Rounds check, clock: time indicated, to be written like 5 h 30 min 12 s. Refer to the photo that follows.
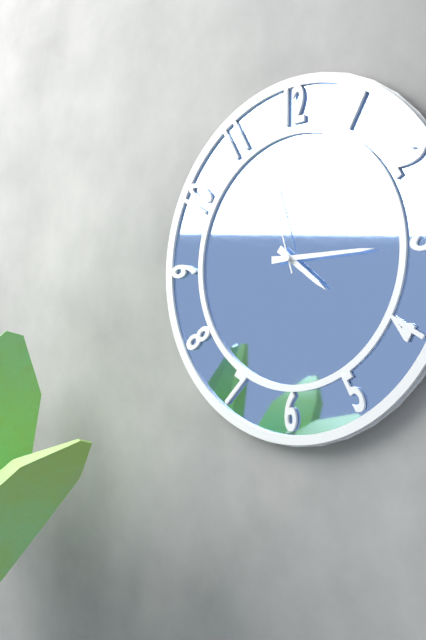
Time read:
4 h 15 min 57 s
